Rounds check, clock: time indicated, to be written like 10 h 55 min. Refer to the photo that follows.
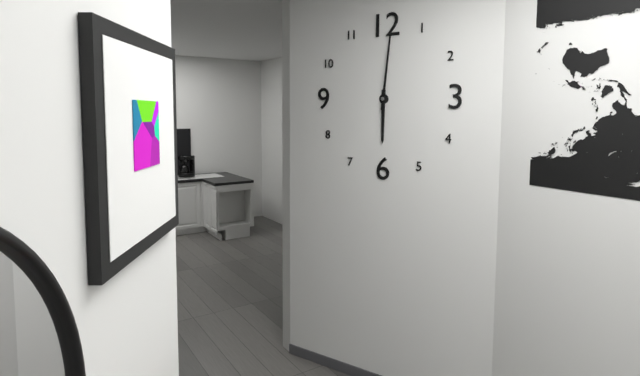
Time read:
6 h 01 min
